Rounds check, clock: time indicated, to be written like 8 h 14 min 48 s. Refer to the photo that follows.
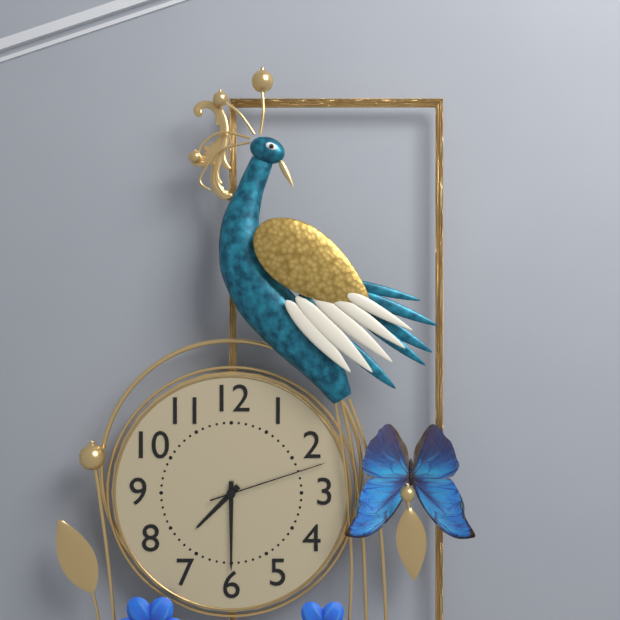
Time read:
7 h 30 min 12 s
